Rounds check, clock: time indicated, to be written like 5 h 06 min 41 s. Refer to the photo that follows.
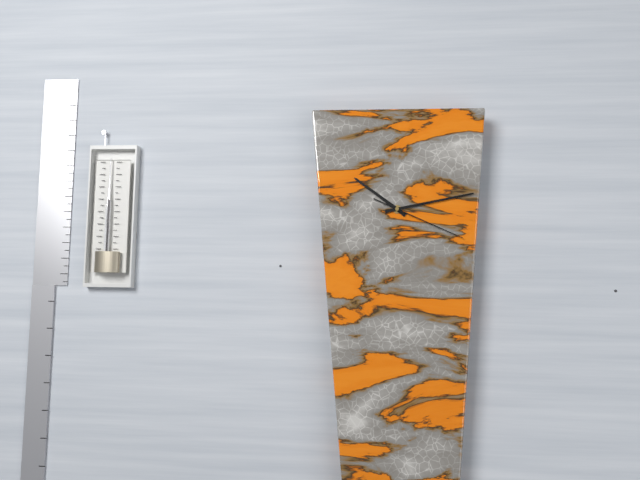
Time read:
10 h 13 min 19 s
